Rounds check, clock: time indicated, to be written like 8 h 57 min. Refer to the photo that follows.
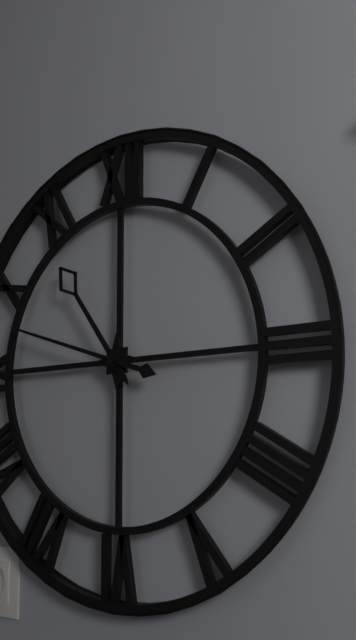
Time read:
10 h 48 min
